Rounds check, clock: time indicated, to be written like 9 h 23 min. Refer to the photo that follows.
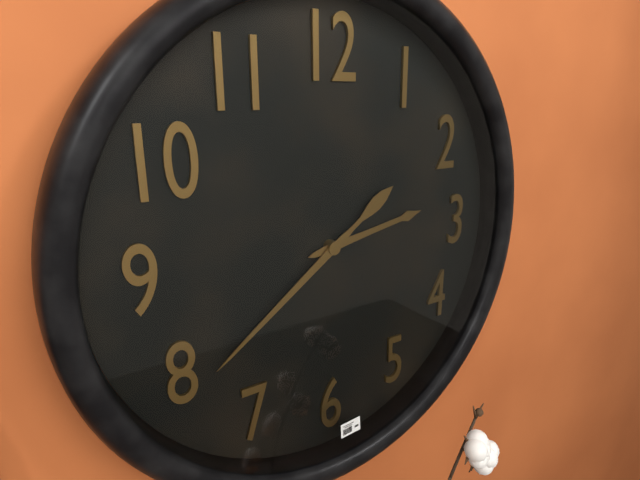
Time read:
2 h 39 min
